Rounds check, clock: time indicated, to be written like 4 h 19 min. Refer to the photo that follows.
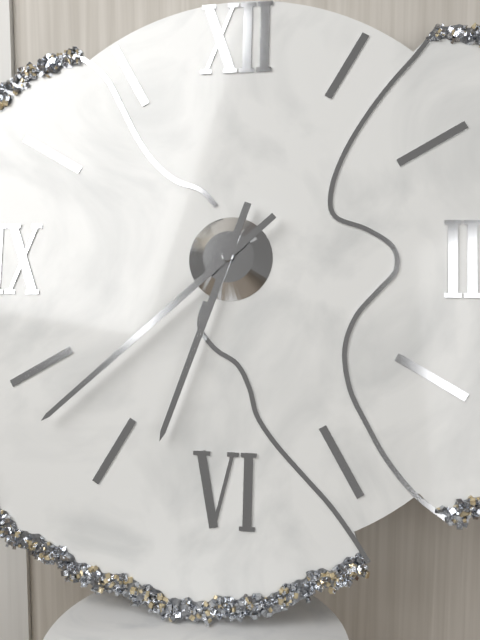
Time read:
6 h 38 min
